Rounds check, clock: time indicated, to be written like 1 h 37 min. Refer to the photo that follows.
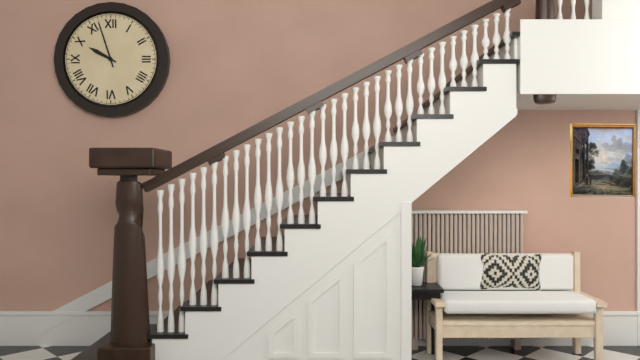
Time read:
9 h 57 min
